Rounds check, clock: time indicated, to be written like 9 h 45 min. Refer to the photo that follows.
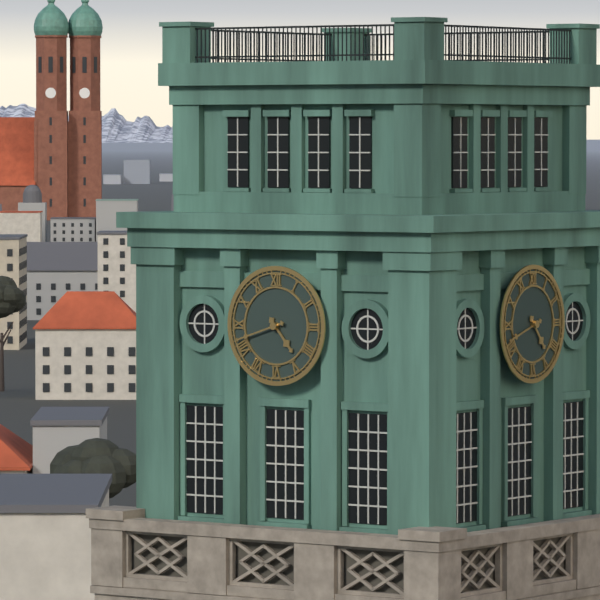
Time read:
4 h 42 min
